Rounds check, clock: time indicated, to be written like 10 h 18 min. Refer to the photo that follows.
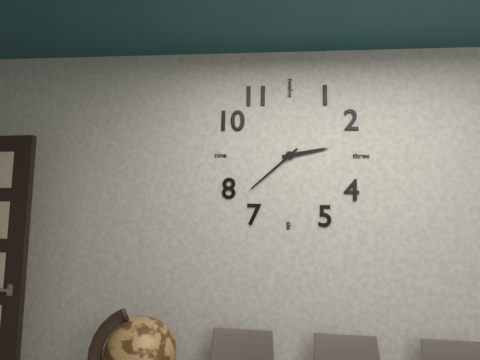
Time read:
2 h 38 min
